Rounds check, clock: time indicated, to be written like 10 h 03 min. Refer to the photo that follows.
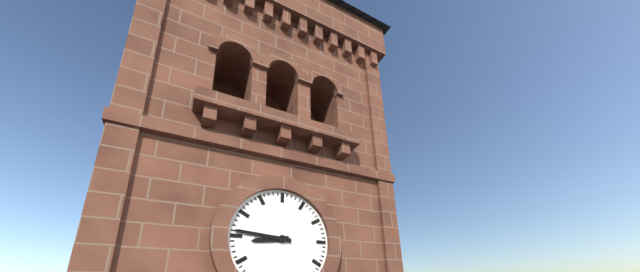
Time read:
8 h 46 min
